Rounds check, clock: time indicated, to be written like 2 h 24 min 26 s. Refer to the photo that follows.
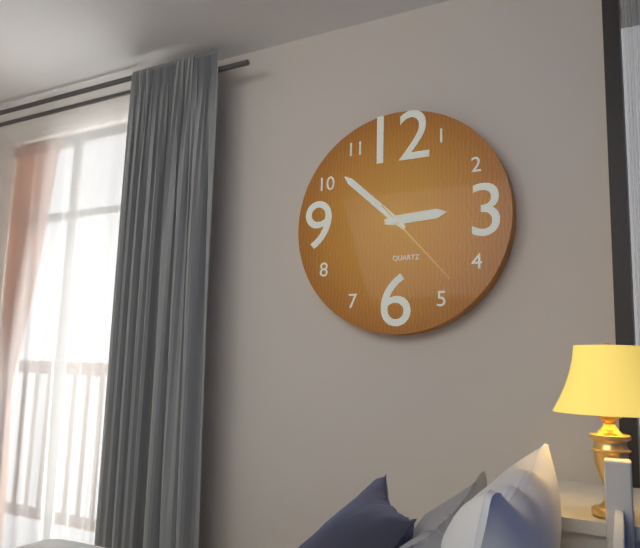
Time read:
2 h 52 min 23 s
